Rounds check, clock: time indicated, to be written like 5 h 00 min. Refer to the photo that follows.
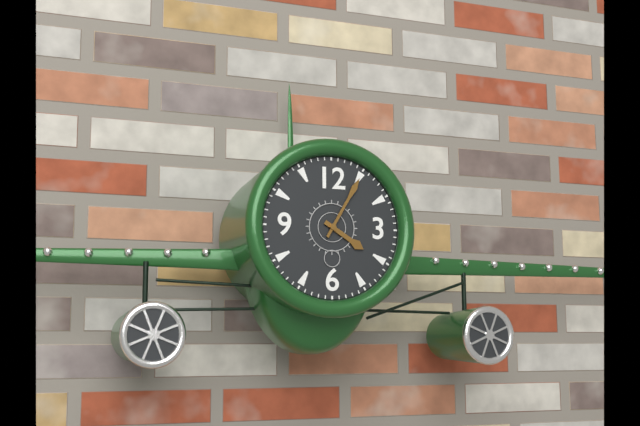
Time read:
4 h 05 min
